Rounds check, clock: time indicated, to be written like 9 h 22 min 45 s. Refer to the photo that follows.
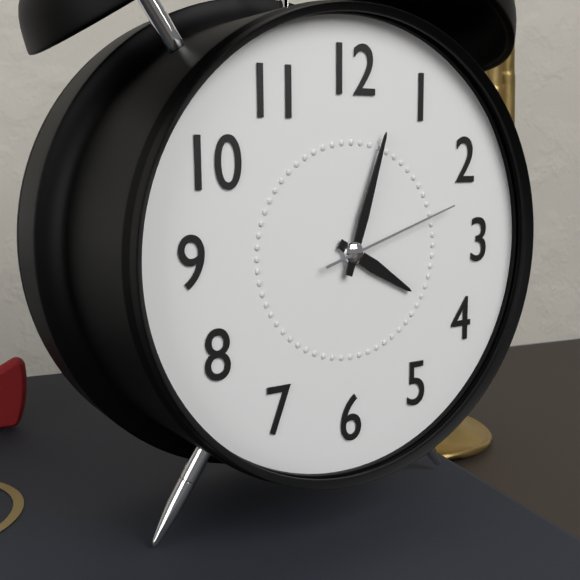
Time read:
4 h 03 min 12 s
